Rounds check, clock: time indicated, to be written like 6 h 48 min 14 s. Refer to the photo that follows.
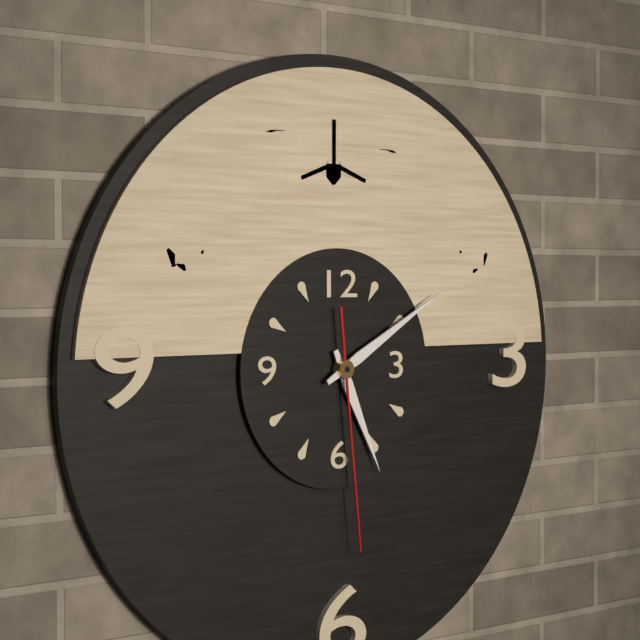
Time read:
5 h 10 min 29 s
